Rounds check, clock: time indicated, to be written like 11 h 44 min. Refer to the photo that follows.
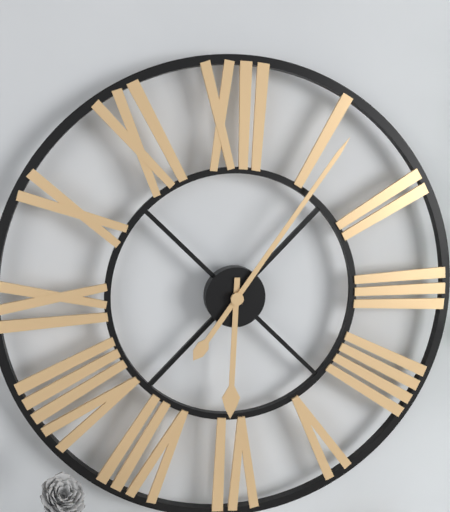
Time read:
6 h 06 min
